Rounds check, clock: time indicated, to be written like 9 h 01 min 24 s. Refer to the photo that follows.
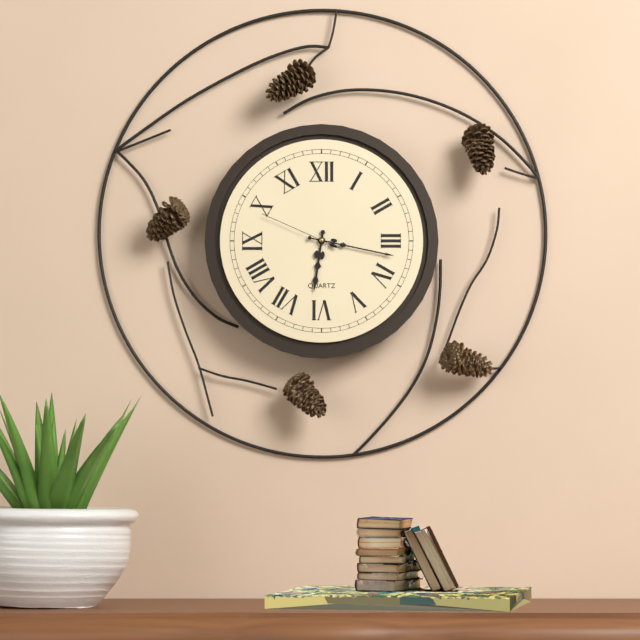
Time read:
6 h 17 min 49 s
